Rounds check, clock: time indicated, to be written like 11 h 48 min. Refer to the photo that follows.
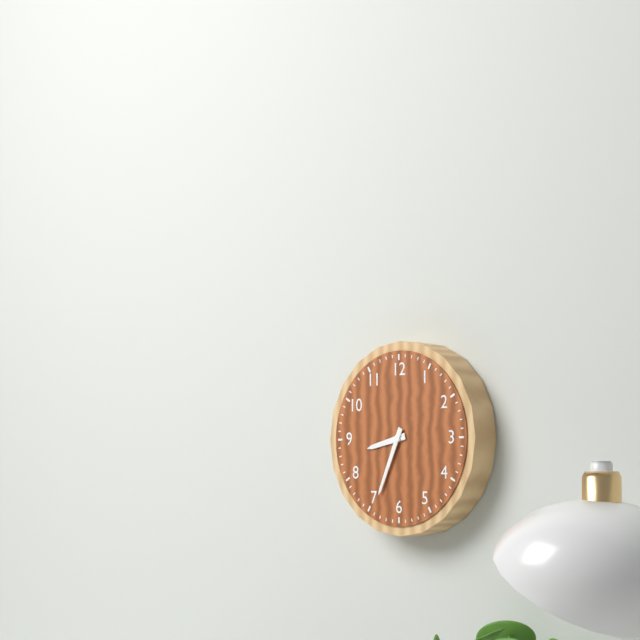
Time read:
8 h 34 min
